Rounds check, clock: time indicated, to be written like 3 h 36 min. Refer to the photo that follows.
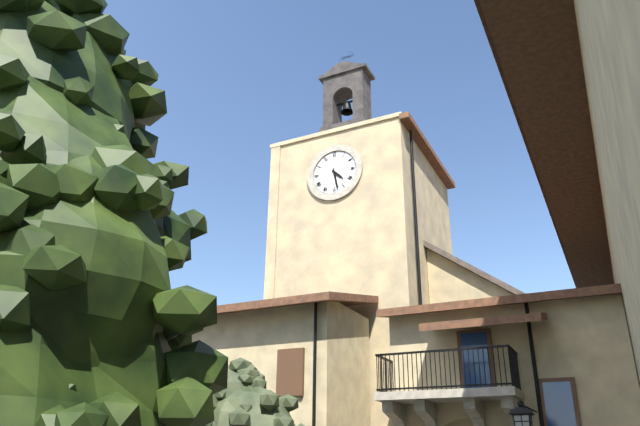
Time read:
4 h 28 min
